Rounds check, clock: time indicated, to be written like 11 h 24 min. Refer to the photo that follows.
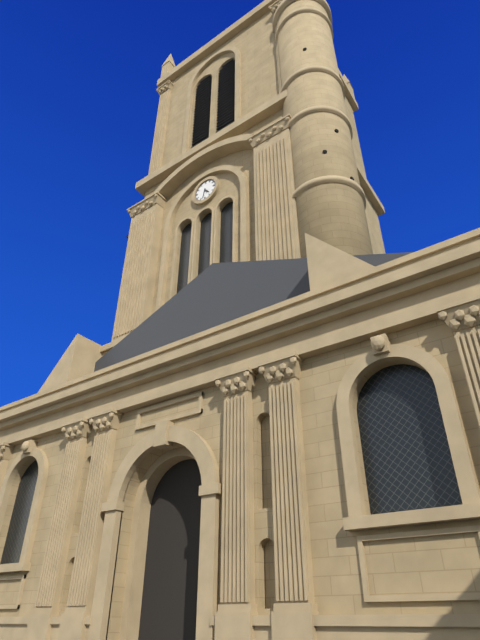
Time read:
4 h 32 min
